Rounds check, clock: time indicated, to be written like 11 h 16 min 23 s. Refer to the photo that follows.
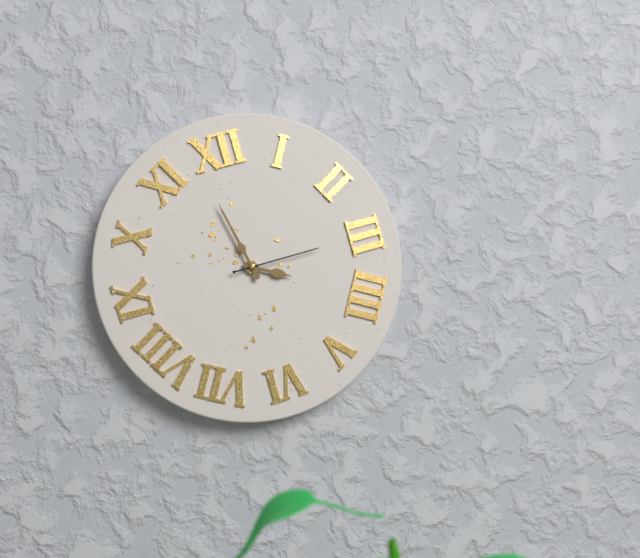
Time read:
3 h 58 min 15 s
